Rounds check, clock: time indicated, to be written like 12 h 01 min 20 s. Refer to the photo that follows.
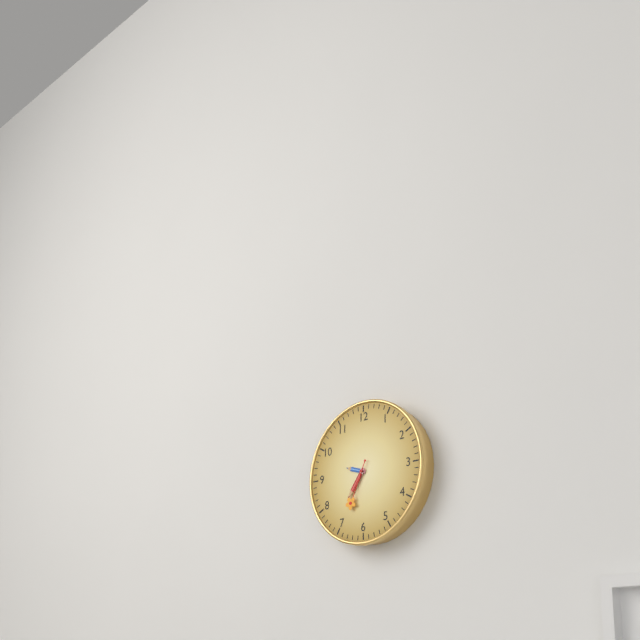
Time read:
9 h 36 min 34 s
